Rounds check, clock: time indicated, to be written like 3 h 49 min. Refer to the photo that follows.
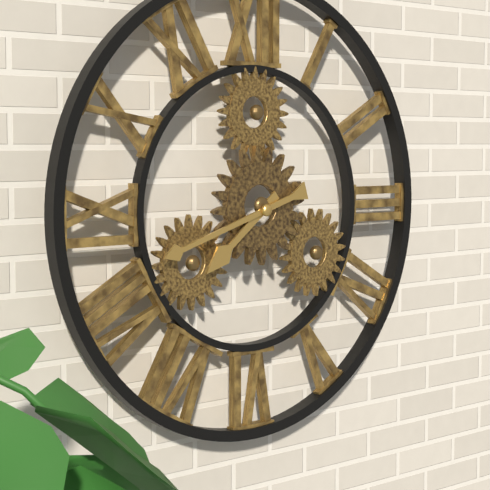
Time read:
7 h 42 min
